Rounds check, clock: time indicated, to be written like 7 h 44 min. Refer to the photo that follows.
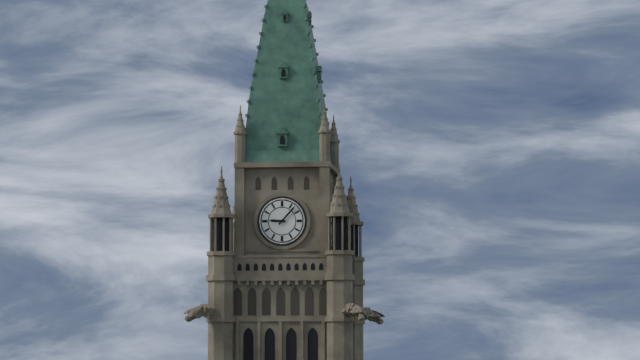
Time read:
9 h 07 min
